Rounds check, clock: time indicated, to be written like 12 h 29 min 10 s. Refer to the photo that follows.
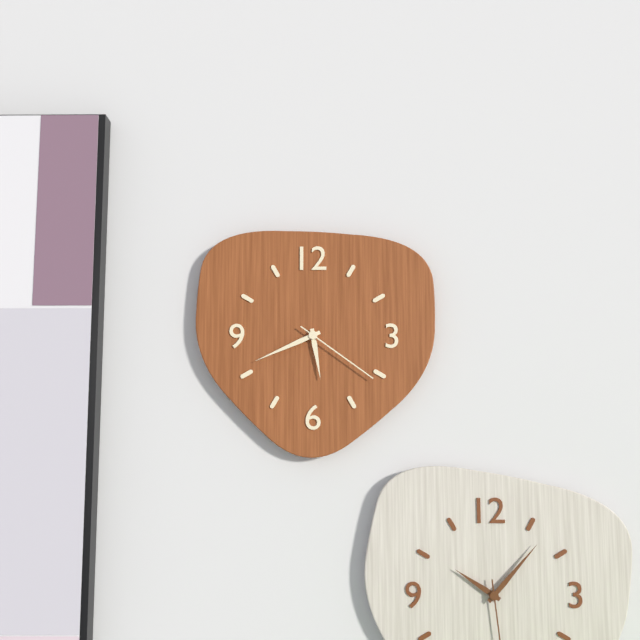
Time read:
5 h 41 min 21 s
